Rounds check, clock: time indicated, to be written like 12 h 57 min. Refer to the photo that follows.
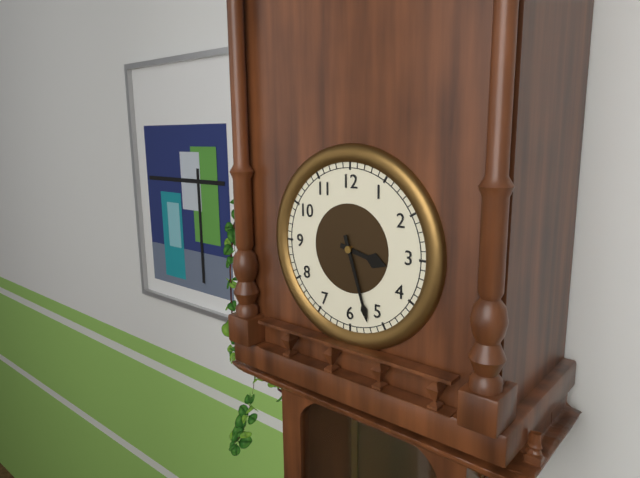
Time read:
3 h 27 min
